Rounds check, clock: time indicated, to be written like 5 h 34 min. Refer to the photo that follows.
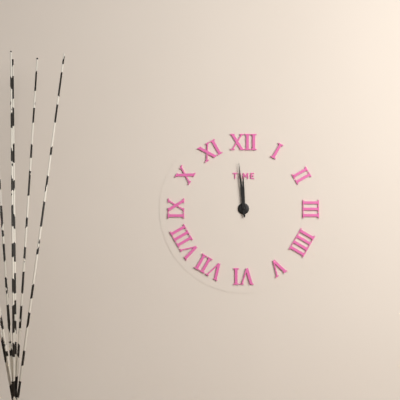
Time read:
11 h 59 min
